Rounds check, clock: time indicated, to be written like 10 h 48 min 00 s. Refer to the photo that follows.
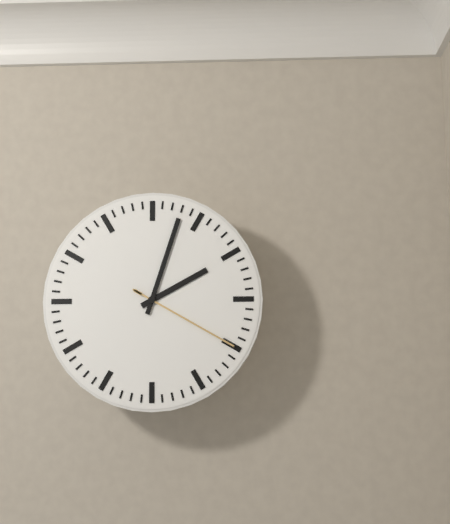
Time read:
2 h 03 min 20 s
